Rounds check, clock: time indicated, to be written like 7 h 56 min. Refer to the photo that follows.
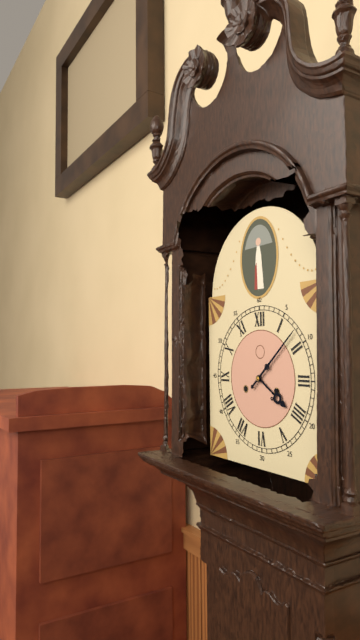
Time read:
4 h 08 min
